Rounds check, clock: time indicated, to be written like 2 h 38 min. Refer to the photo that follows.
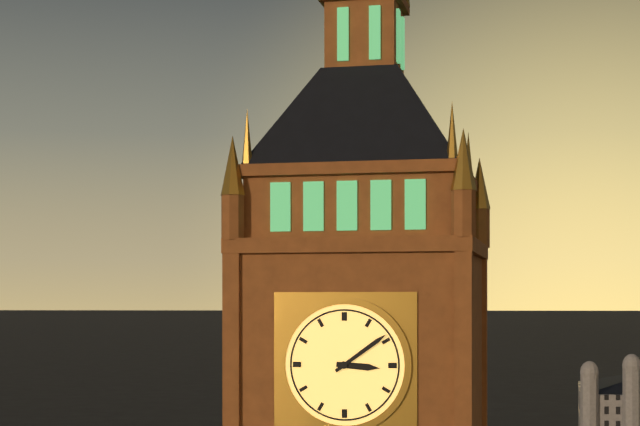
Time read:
3 h 09 min
